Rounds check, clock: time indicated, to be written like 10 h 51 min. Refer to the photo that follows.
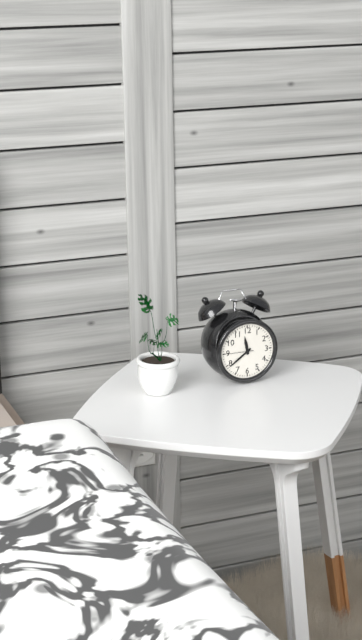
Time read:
11 h 39 min
